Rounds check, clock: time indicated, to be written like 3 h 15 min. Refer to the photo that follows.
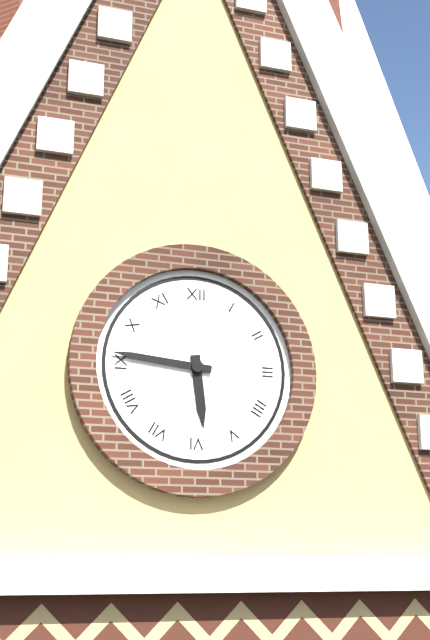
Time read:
5 h 46 min
